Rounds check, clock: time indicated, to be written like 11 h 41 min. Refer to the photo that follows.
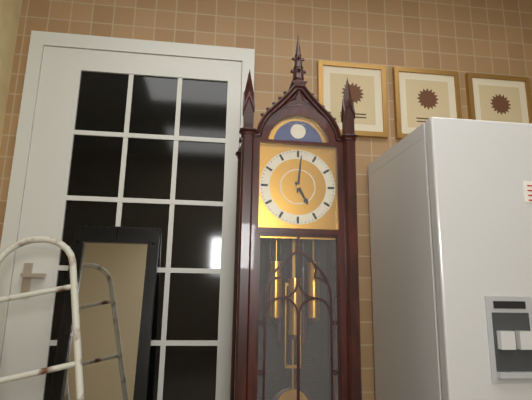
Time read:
5 h 01 min
